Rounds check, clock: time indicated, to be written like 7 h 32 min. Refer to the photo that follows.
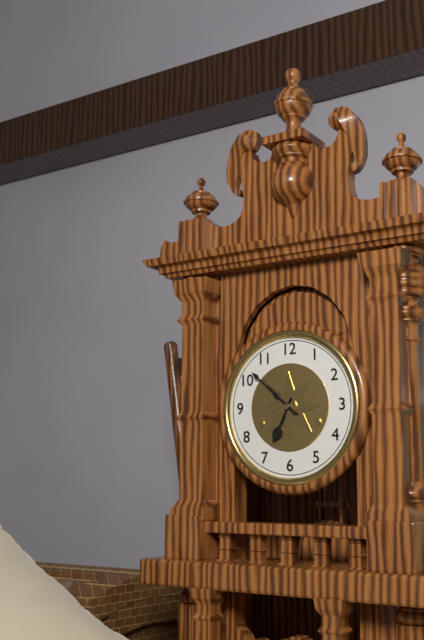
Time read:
6 h 52 min
